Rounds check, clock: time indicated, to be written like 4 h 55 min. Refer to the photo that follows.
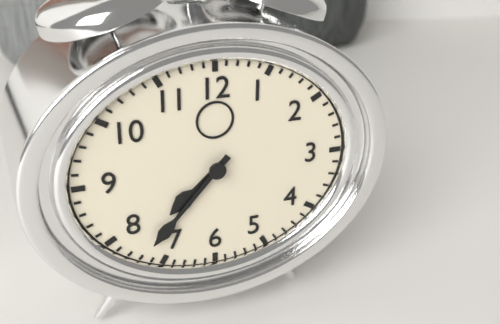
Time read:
7 h 37 min
